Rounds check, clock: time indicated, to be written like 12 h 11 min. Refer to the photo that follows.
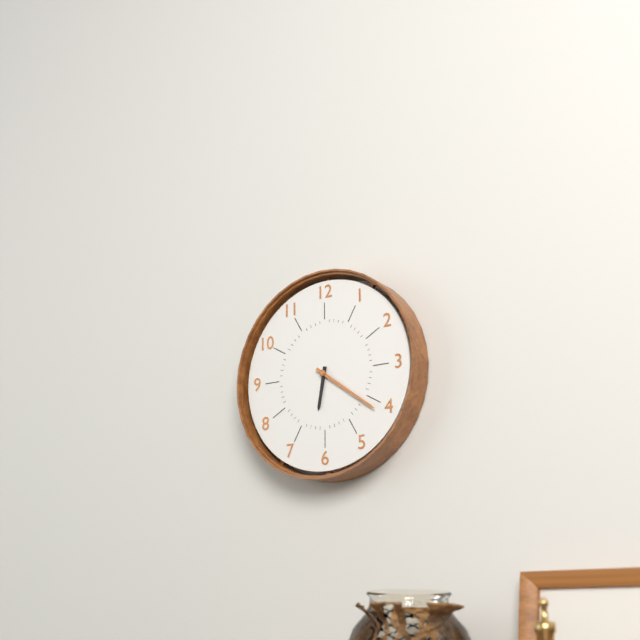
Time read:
6 h 21 min
